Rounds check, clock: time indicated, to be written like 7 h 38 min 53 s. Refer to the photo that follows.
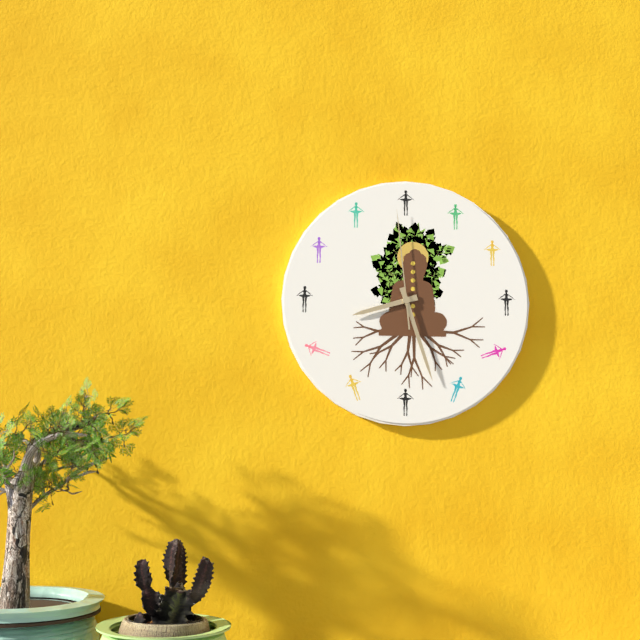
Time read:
8 h 27 min 59 s
